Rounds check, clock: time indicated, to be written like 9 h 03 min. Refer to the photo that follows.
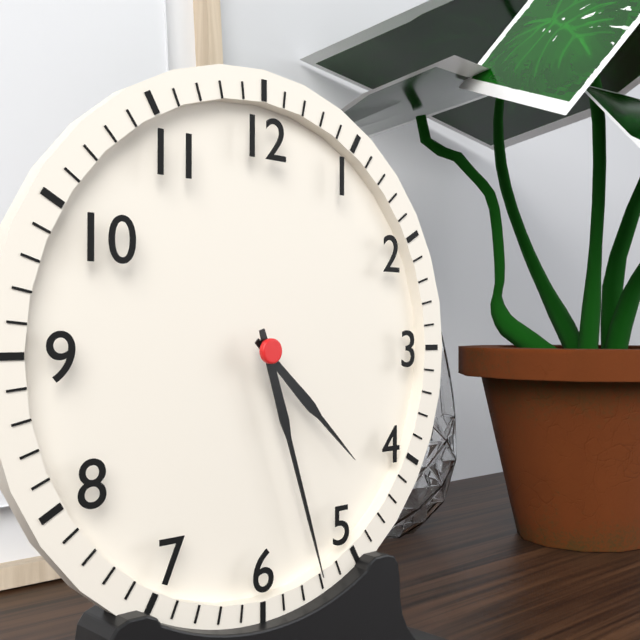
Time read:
4 h 27 min
